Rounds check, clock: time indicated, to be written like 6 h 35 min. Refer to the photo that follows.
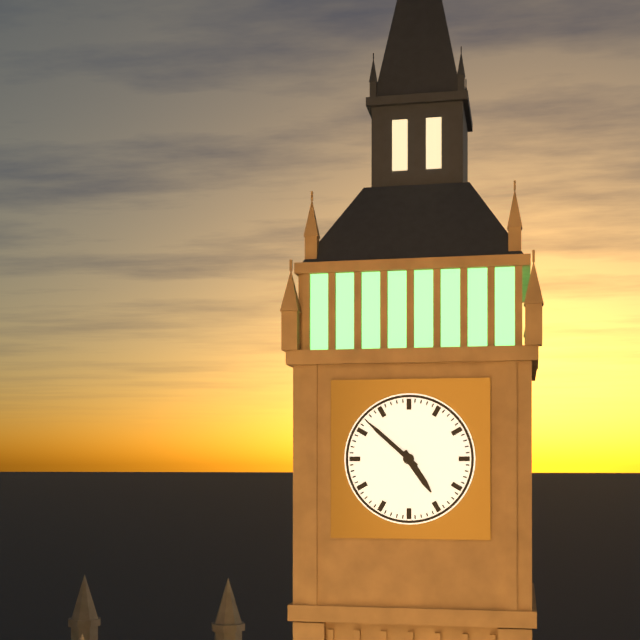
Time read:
4 h 52 min
